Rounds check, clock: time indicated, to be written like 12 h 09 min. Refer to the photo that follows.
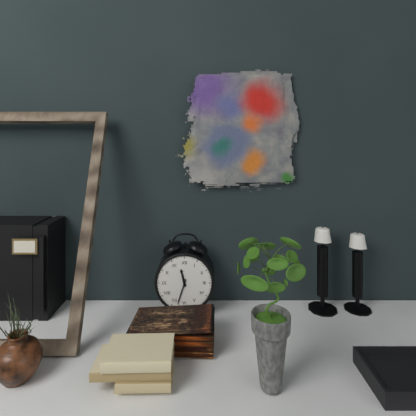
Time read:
11 h 33 min
